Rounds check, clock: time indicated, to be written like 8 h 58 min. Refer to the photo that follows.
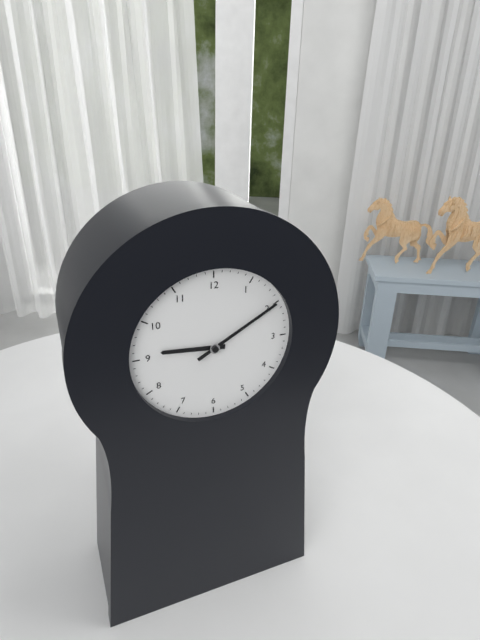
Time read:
9 h 10 min
